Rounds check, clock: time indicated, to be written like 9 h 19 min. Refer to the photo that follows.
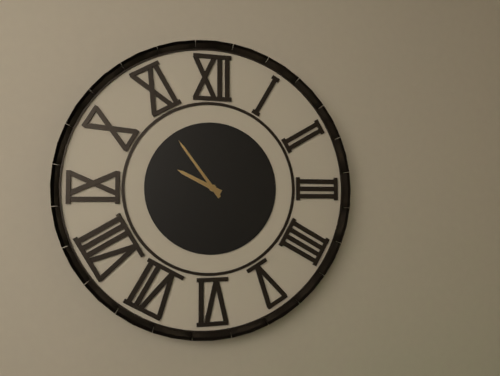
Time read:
9 h 54 min
